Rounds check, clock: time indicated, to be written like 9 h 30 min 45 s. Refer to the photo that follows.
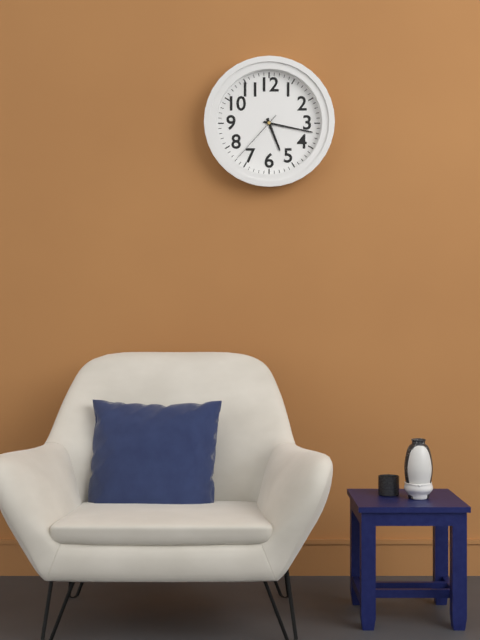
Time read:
5 h 17 min 37 s
